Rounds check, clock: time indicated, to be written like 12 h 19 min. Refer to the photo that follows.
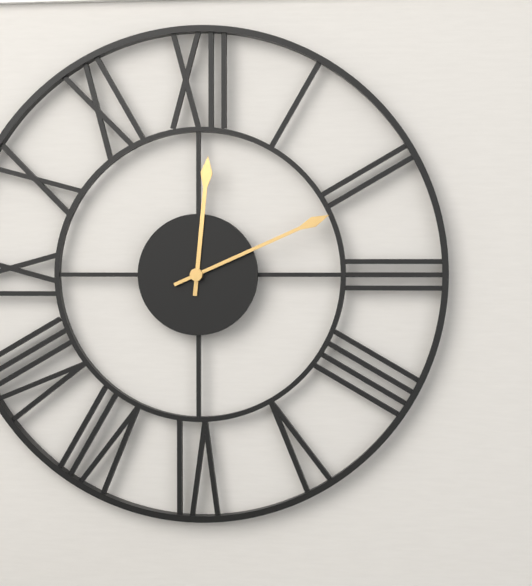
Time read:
12 h 11 min
